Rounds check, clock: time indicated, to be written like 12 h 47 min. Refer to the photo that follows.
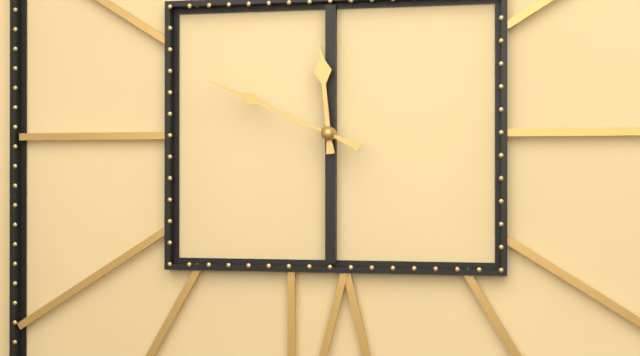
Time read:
11 h 49 min
